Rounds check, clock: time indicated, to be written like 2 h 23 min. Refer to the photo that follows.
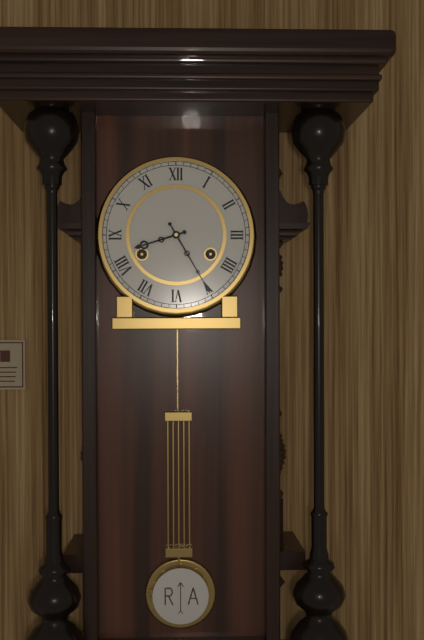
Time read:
8 h 25 min
